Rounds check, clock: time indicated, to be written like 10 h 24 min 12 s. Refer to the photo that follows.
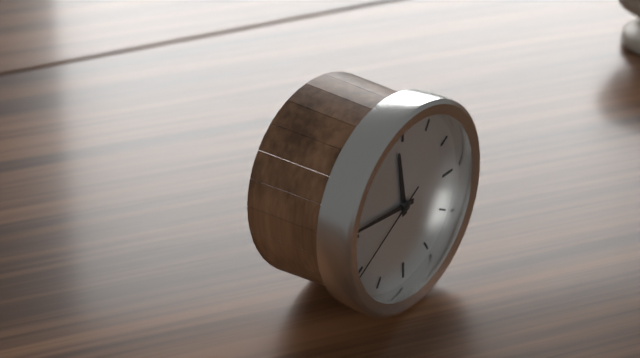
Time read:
11 h 46 min 40 s
